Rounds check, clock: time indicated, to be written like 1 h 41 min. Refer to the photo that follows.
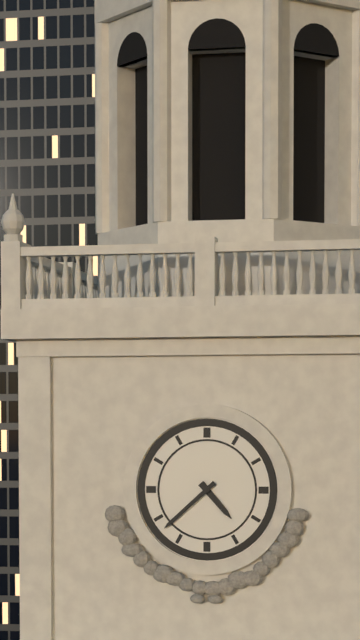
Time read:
4 h 38 min
